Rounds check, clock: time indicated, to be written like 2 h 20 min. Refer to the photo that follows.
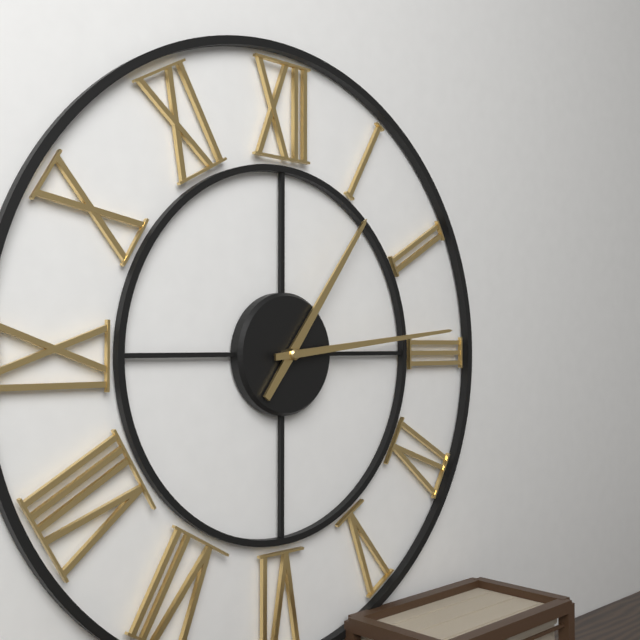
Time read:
1 h 14 min
